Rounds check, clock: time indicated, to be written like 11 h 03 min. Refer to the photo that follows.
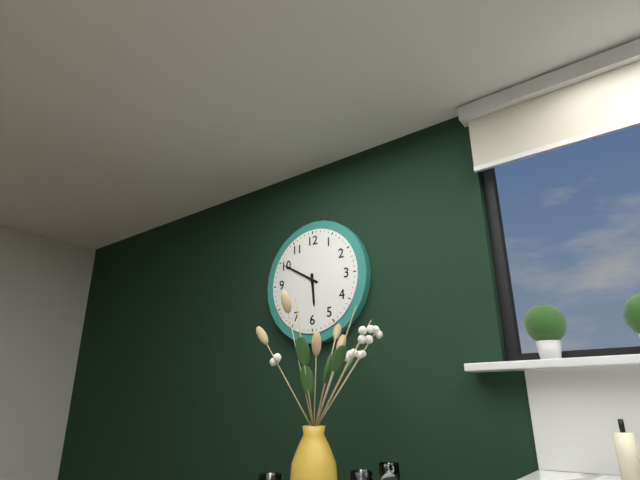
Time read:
5 h 50 min
